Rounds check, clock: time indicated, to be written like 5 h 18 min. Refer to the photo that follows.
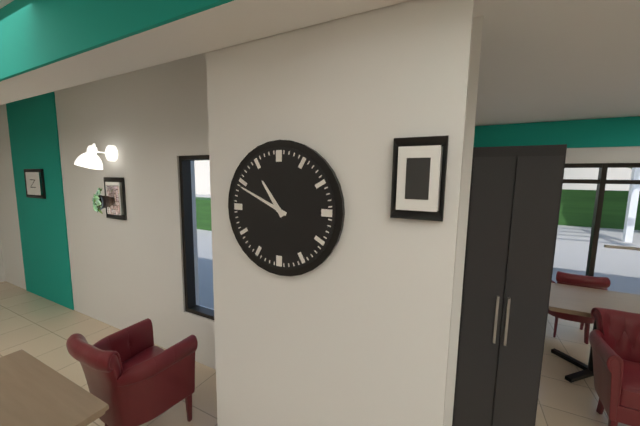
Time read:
10 h 49 min
